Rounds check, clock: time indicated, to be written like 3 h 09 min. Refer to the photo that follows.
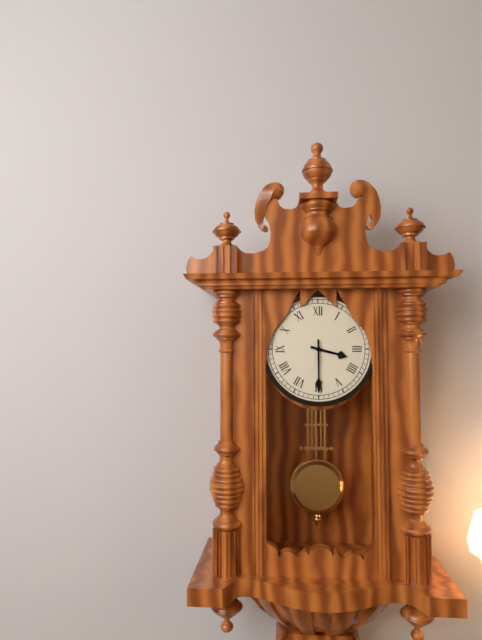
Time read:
3 h 30 min
